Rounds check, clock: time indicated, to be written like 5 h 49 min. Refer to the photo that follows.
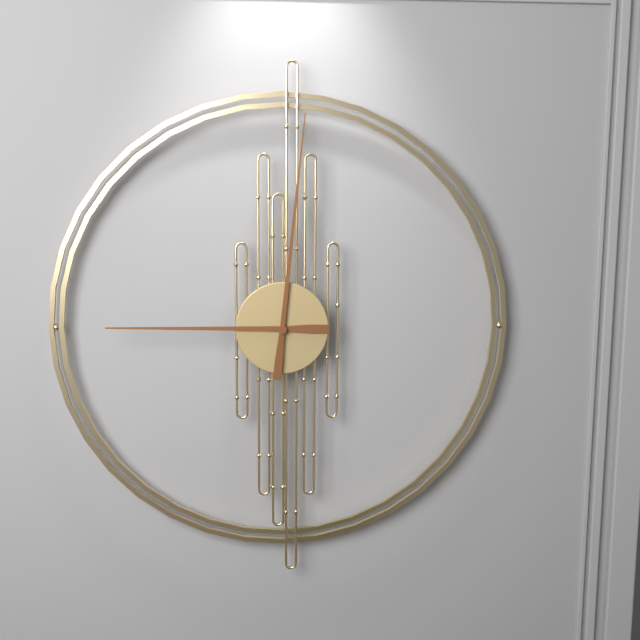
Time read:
9 h 01 min
